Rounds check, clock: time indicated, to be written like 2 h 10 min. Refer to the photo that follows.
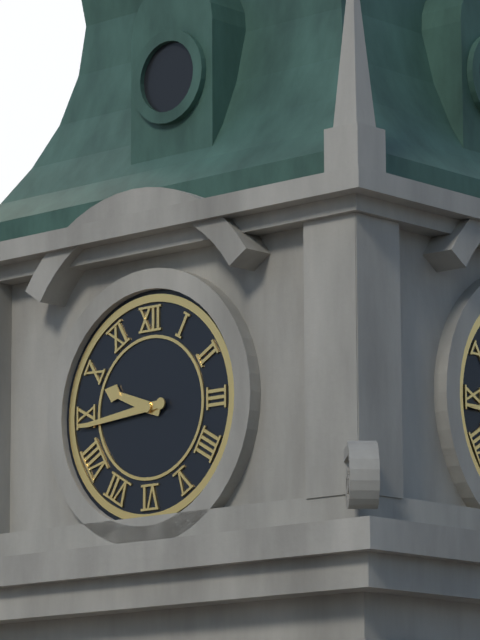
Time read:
9 h 44 min
